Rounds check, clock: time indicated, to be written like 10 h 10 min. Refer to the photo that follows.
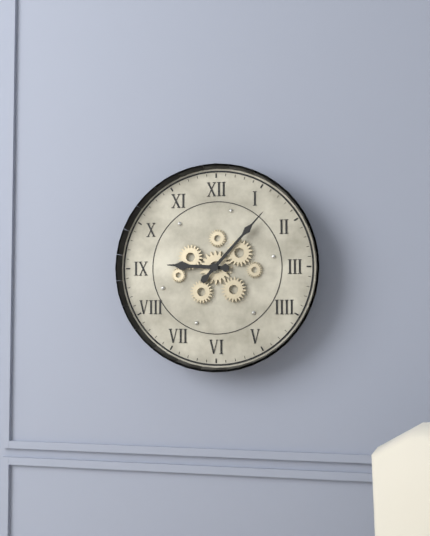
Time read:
9 h 07 min
